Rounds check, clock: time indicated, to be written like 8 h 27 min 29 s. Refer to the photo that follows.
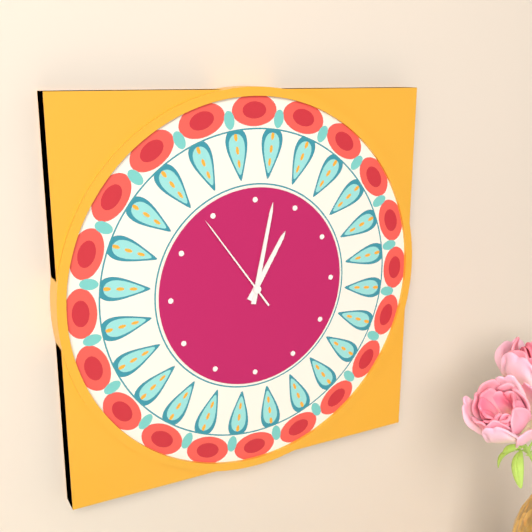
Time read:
1 h 02 min 54 s
